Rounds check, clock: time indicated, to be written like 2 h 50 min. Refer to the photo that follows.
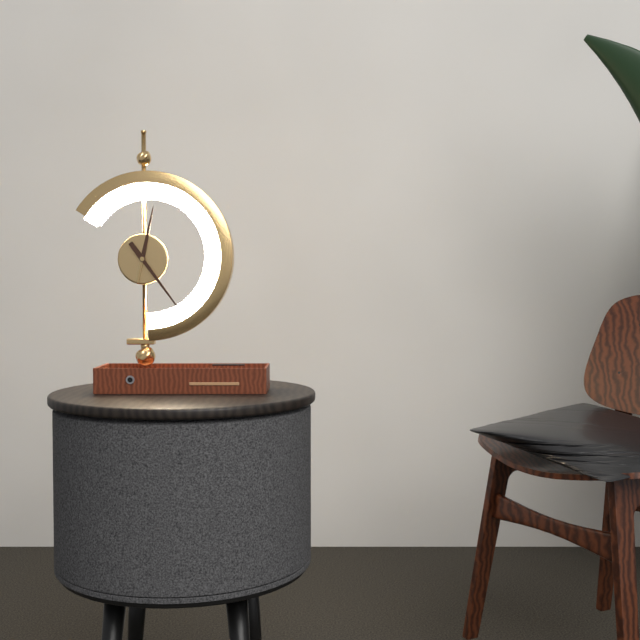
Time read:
12 h 24 min
